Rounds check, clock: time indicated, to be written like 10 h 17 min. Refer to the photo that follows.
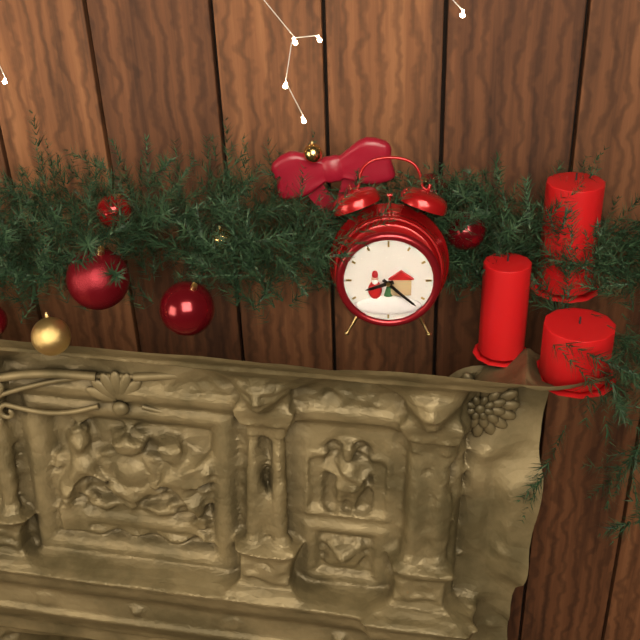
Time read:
8 h 22 min
